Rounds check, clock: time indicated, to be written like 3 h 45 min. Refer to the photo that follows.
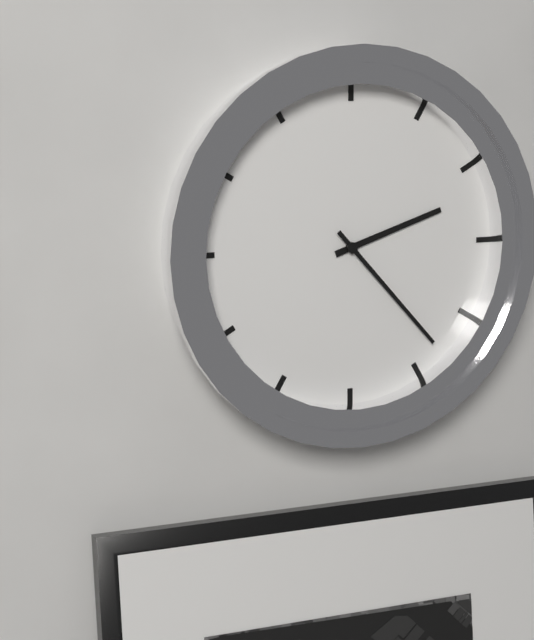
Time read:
2 h 23 min
